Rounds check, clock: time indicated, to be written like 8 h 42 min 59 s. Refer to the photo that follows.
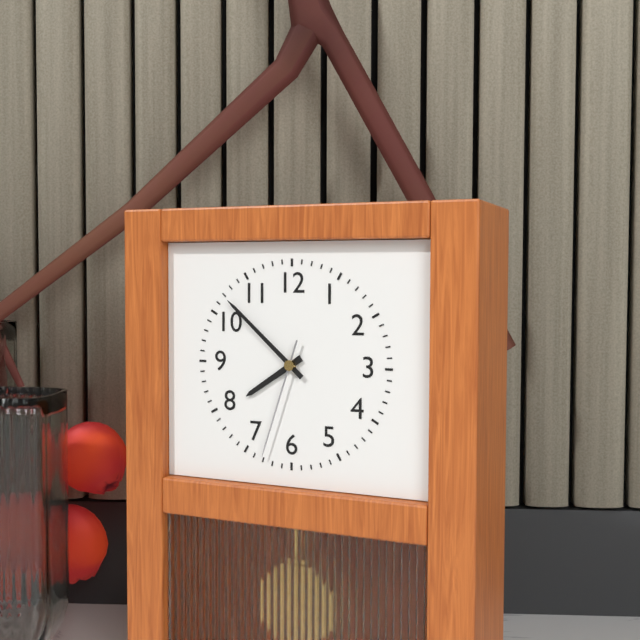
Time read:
7 h 52 min 33 s
